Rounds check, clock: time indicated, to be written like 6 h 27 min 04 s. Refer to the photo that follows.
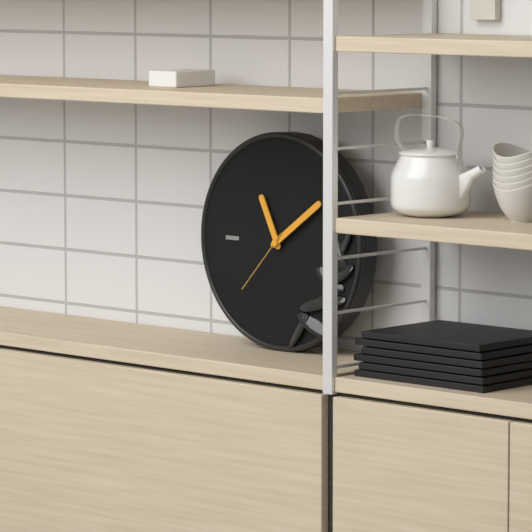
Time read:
11 h 09 min 37 s
